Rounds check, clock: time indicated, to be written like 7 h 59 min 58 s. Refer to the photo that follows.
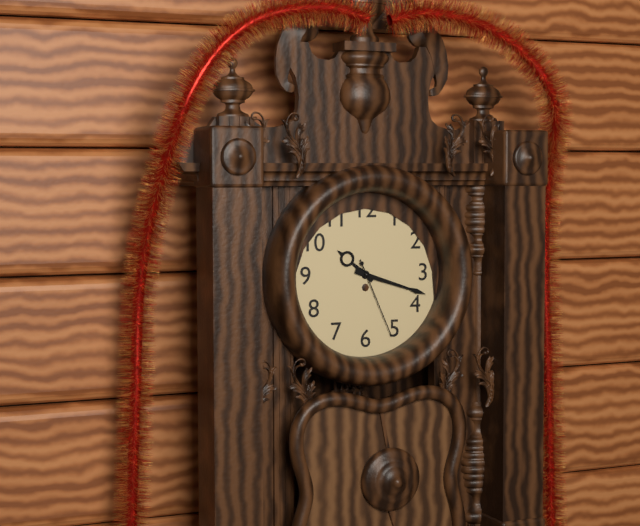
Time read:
10 h 18 min 26 s
